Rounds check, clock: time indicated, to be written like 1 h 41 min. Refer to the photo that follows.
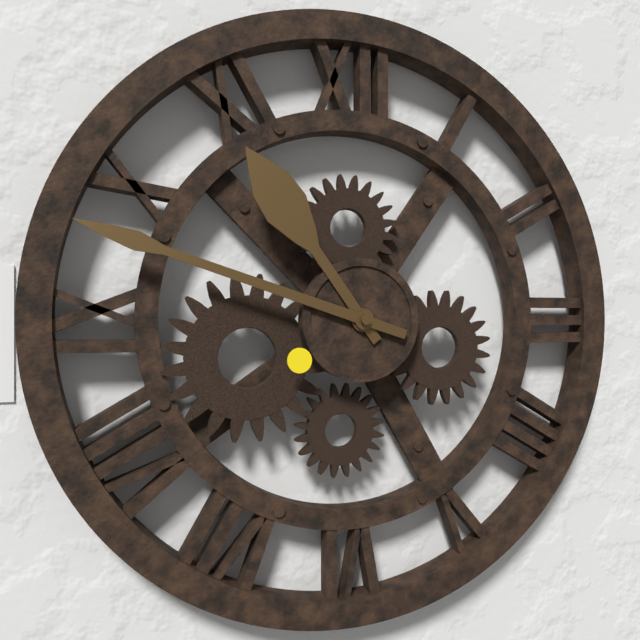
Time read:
10 h 48 min
